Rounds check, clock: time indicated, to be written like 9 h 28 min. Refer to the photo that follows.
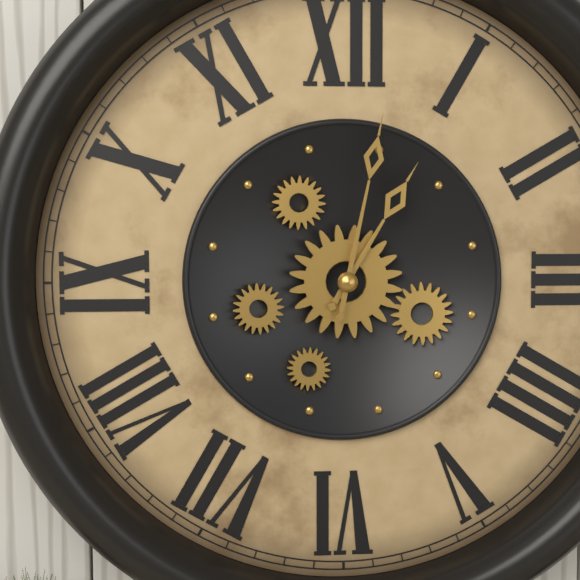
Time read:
1 h 02 min
